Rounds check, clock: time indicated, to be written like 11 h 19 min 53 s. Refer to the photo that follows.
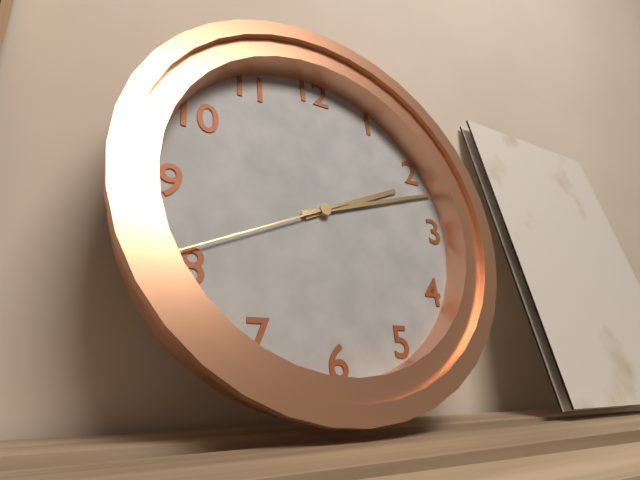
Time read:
2 h 12 min 41 s
